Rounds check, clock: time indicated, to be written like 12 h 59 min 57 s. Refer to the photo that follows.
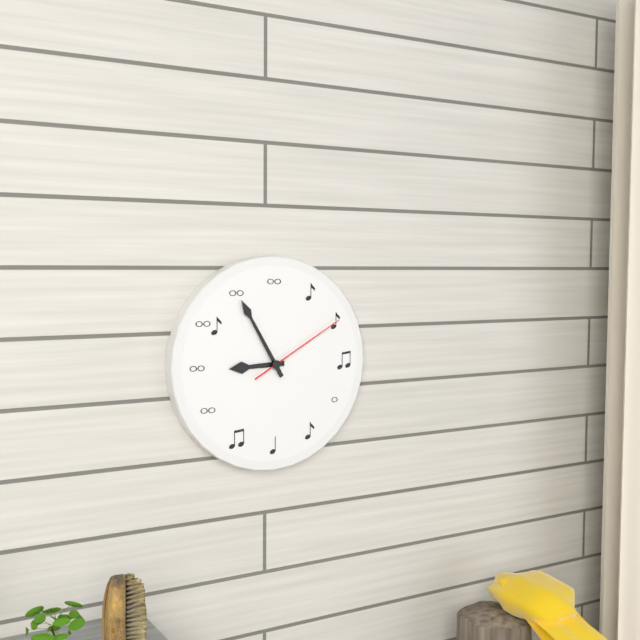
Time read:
8 h 55 min 10 s
